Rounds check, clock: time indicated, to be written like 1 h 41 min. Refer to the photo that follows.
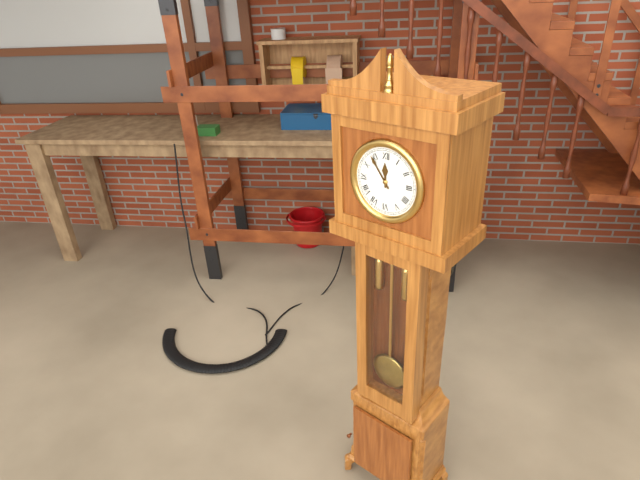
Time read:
11 h 54 min
